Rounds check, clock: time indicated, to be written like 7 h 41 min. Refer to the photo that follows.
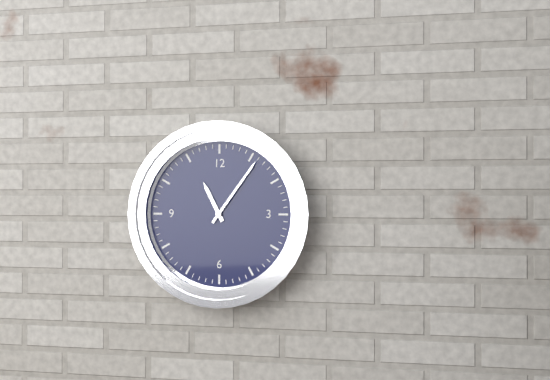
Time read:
11 h 06 min
